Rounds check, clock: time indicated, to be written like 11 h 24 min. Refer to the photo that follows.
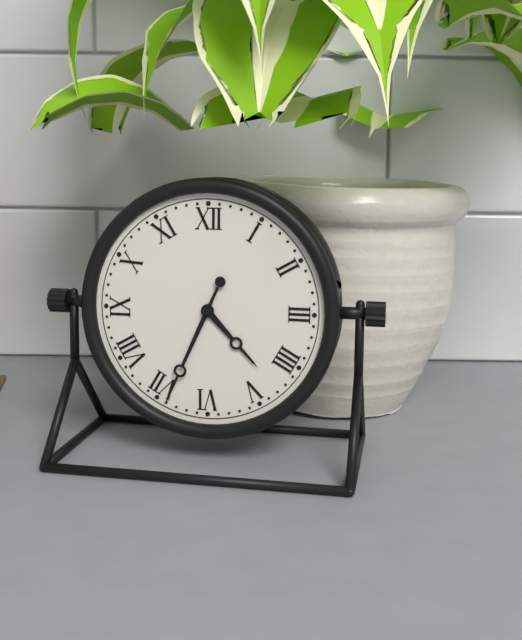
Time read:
4 h 34 min
